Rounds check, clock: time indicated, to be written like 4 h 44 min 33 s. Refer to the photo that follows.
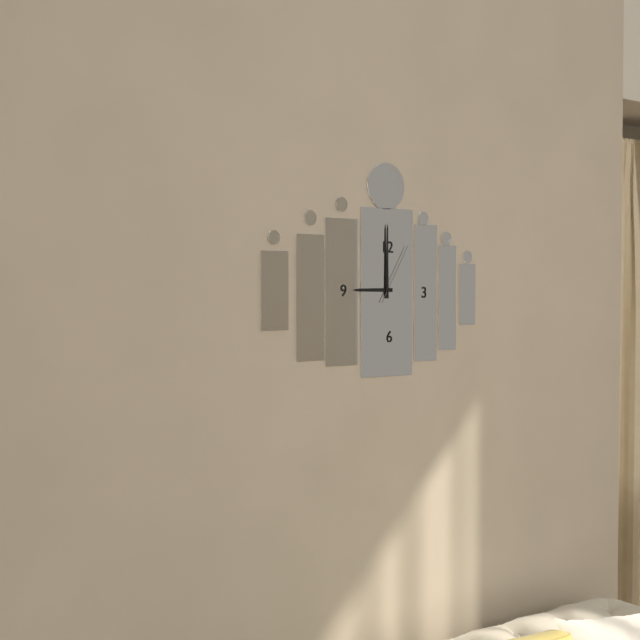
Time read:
9 h 00 min 05 s
